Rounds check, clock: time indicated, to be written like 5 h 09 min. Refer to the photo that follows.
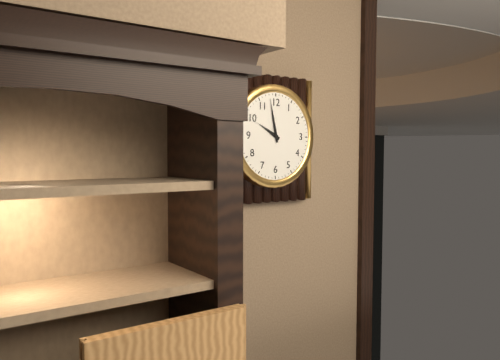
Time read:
9 h 58 min
